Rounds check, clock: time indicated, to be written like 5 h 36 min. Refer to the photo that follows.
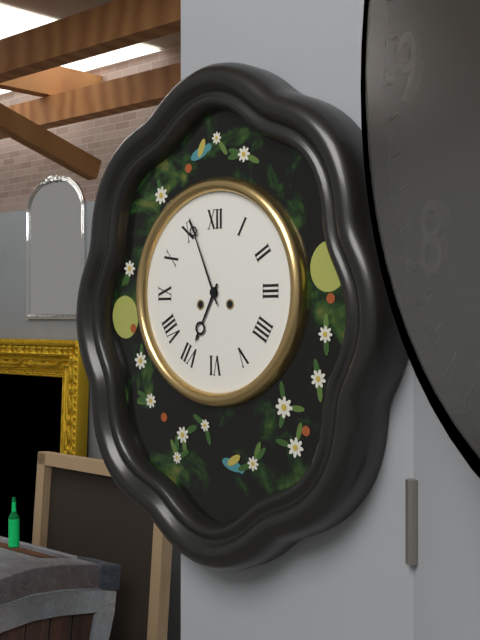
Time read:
6 h 56 min
